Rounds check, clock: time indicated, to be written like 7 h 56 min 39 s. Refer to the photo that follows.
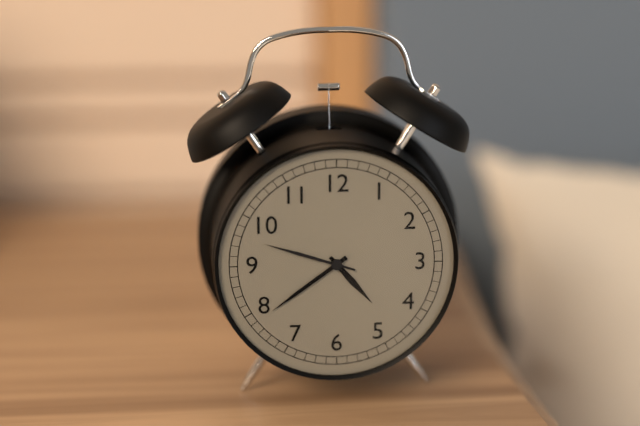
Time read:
4 h 39 min 48 s
